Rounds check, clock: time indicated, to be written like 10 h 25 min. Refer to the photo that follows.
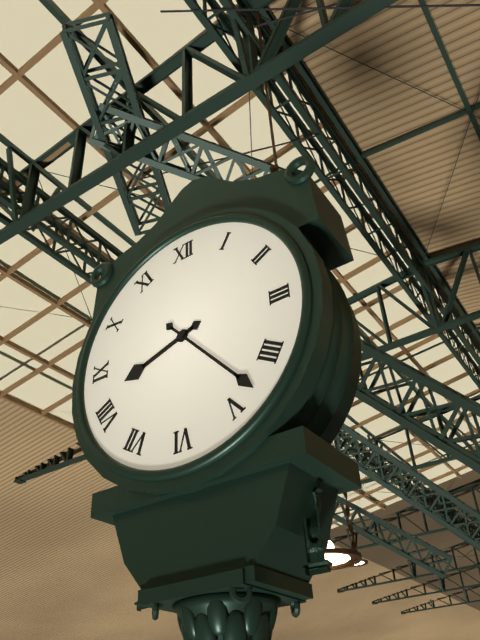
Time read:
8 h 23 min
